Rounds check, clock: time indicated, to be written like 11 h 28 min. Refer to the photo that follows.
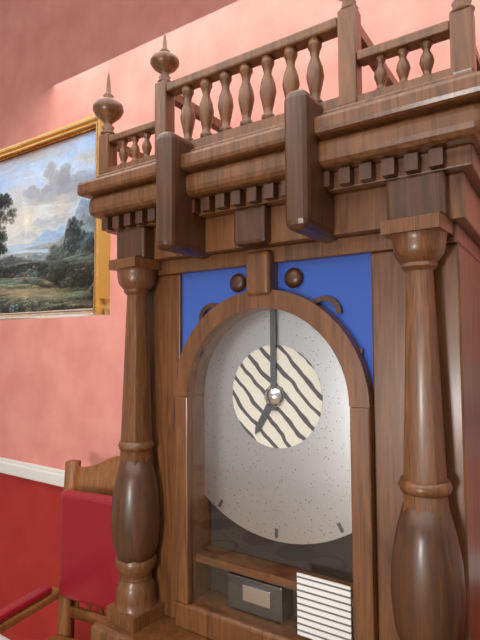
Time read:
7 h 00 min
